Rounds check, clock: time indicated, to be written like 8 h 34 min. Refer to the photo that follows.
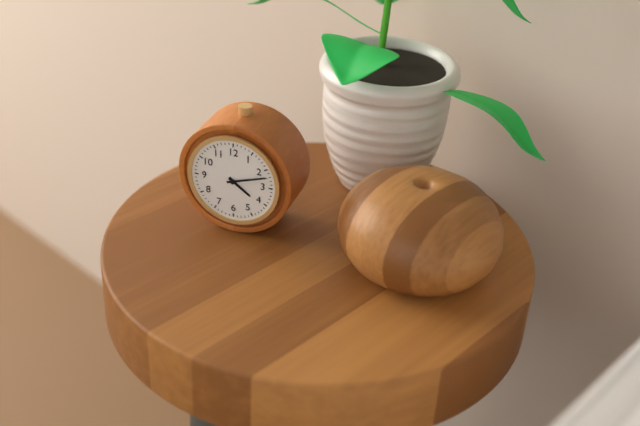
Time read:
4 h 12 min
